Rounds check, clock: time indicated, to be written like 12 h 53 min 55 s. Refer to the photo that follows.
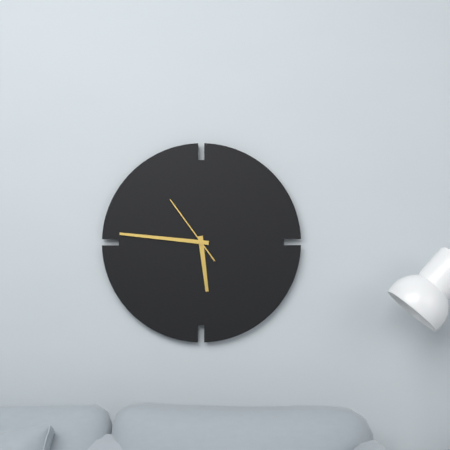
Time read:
5 h 46 min 54 s
